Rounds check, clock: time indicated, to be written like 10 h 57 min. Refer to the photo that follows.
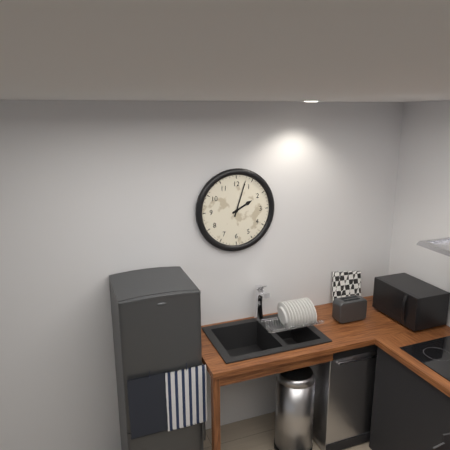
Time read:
2 h 03 min
